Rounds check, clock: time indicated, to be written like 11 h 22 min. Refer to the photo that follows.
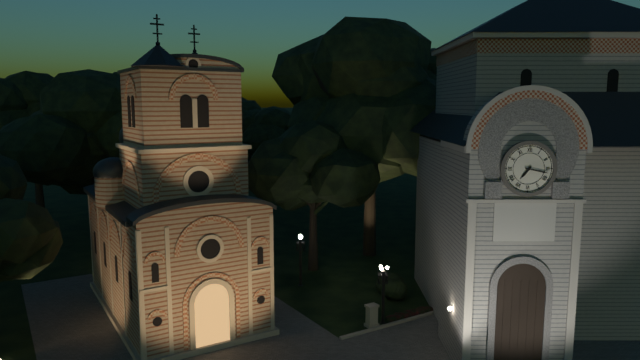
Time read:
7 h 17 min
